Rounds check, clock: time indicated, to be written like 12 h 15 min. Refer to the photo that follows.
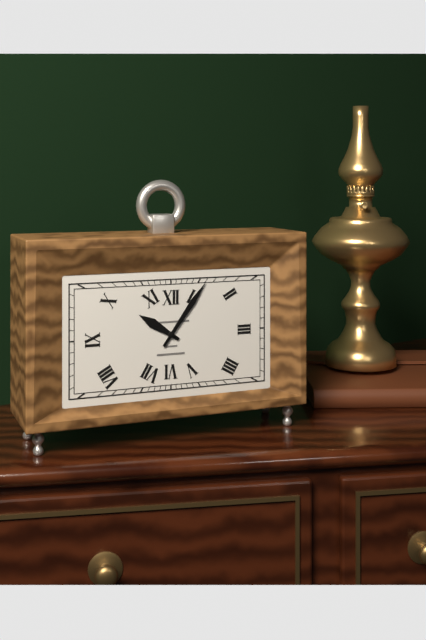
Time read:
10 h 06 min
